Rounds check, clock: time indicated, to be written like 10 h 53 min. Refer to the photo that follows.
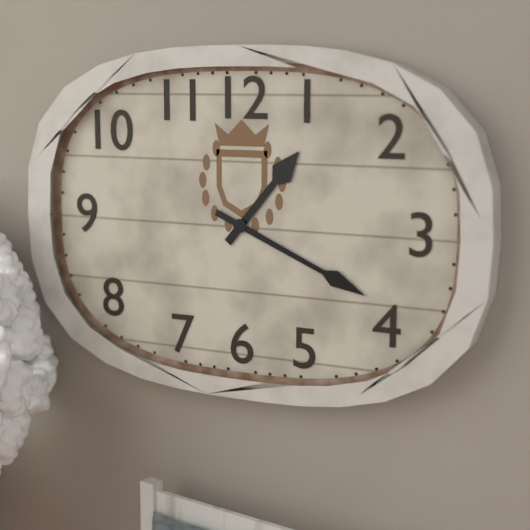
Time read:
1 h 19 min
